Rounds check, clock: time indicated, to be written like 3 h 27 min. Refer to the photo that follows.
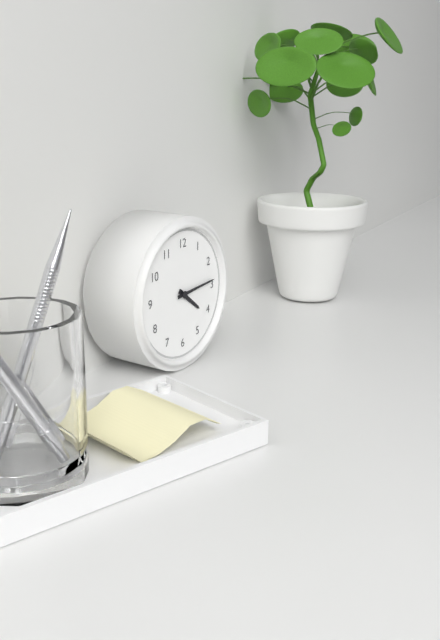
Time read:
4 h 14 min
